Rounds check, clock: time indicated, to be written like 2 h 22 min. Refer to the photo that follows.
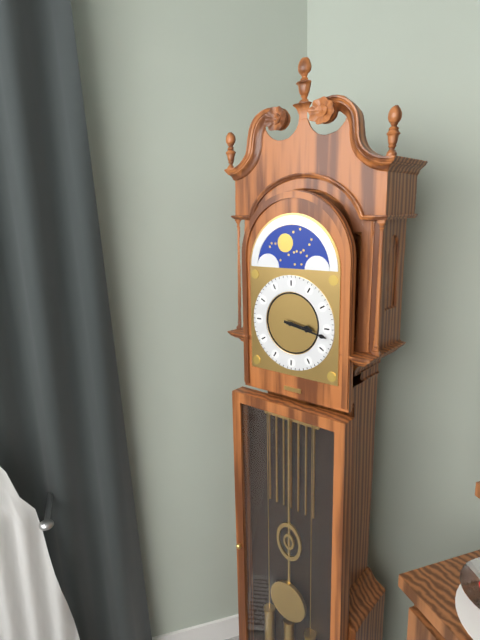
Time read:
3 h 17 min
